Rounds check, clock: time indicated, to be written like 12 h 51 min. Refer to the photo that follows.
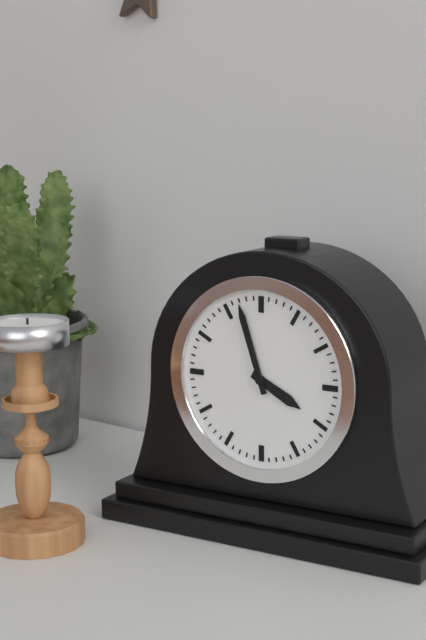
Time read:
3 h 57 min
